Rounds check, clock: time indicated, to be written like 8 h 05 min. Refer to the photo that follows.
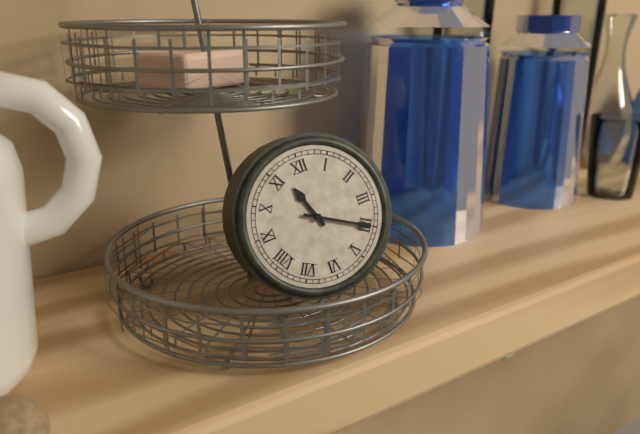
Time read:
11 h 20 min
